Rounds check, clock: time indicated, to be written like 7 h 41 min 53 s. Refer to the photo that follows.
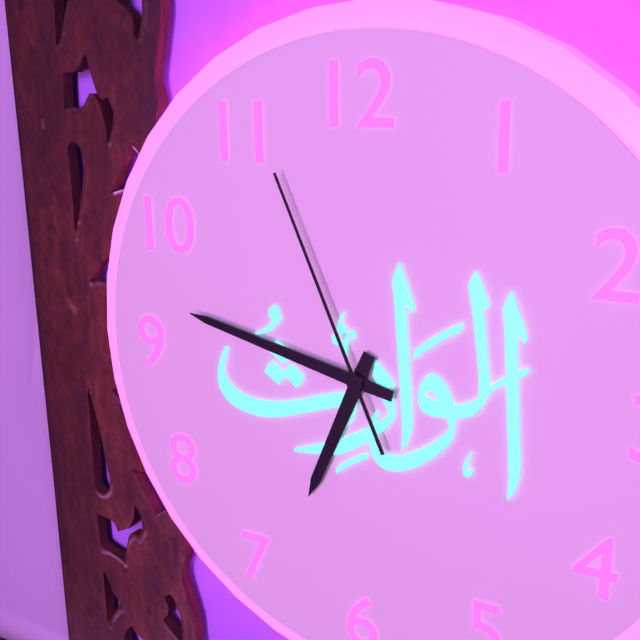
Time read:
6 h 47 min 56 s
